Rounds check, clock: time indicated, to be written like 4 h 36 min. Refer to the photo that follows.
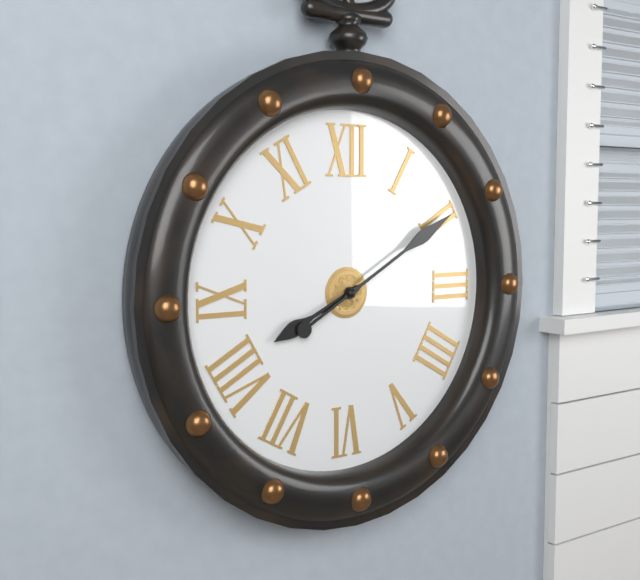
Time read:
8 h 10 min
